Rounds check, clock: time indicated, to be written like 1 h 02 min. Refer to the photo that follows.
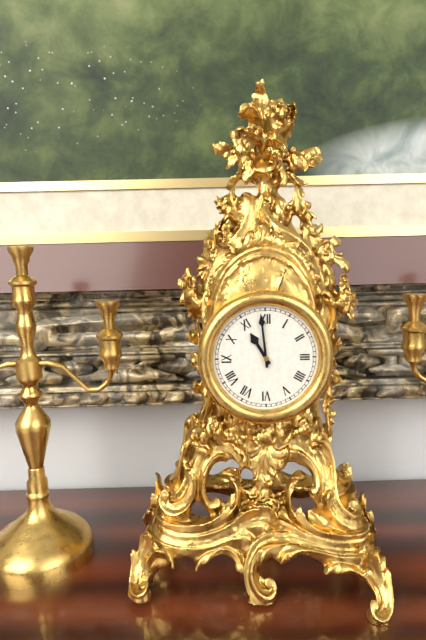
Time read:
10 h 59 min
